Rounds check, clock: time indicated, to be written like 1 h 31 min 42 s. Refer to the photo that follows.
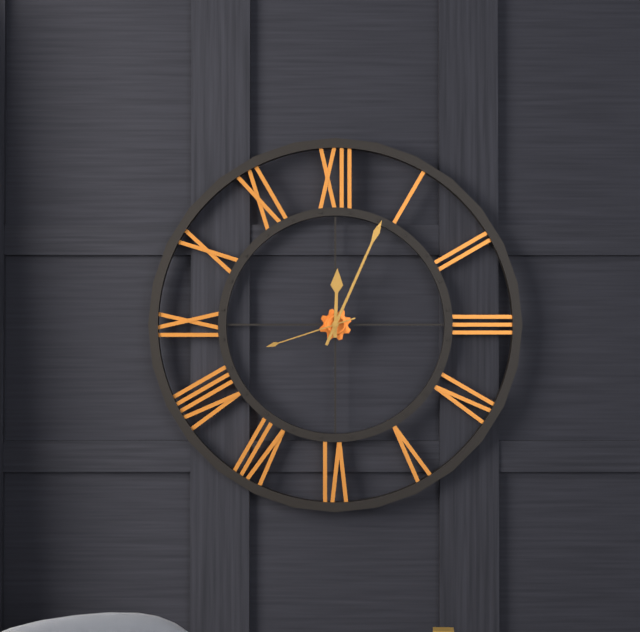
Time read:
12 h 04 min 42 s
